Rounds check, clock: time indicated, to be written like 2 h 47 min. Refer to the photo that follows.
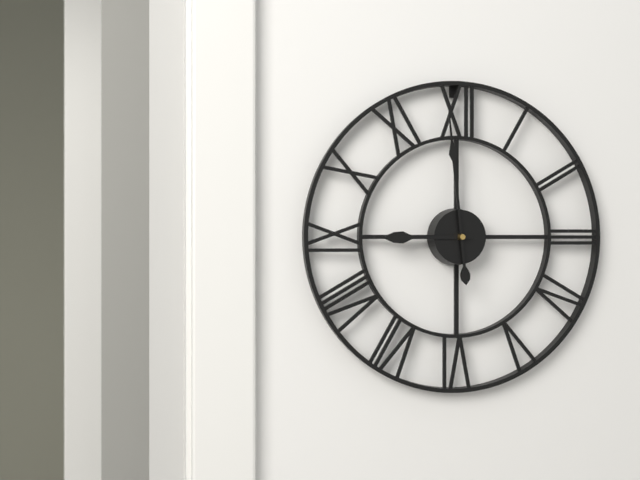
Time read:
8 h 59 min
